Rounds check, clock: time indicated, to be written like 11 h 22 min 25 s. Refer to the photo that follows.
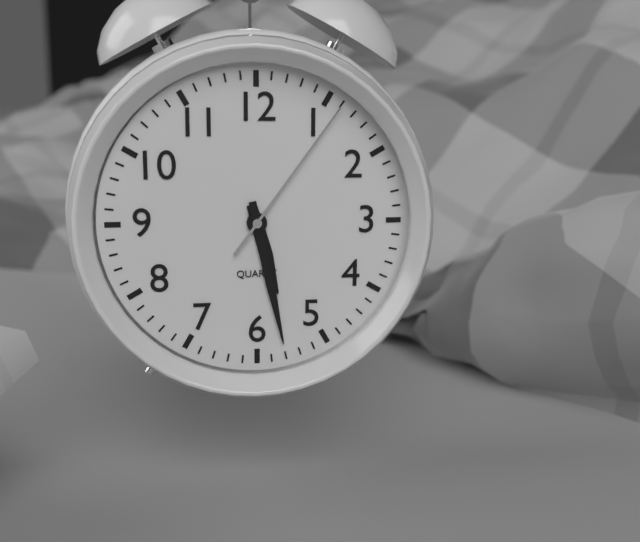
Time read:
5 h 28 min 06 s
